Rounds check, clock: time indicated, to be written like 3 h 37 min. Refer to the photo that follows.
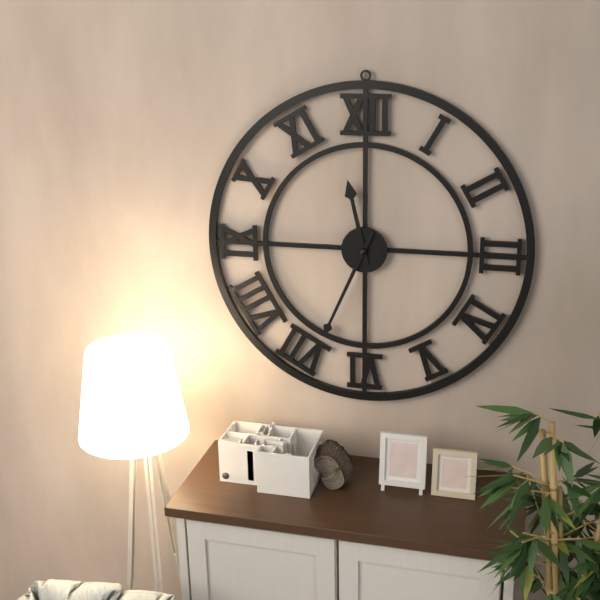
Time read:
11 h 34 min
